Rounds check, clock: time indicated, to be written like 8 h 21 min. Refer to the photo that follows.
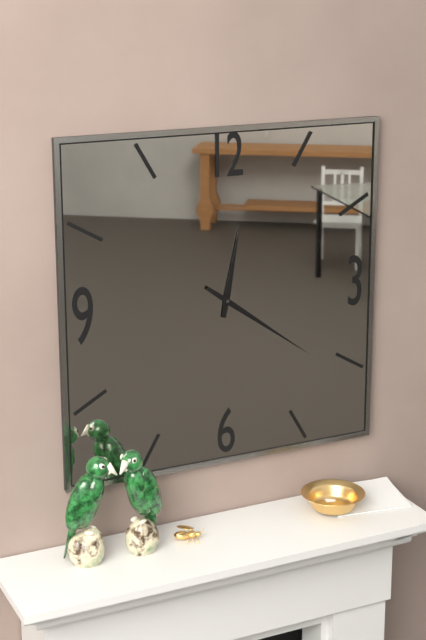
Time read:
12 h 21 min
